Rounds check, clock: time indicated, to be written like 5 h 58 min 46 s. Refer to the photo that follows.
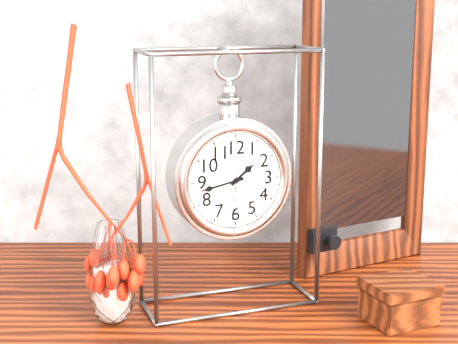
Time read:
1 h 43 min 31 s
